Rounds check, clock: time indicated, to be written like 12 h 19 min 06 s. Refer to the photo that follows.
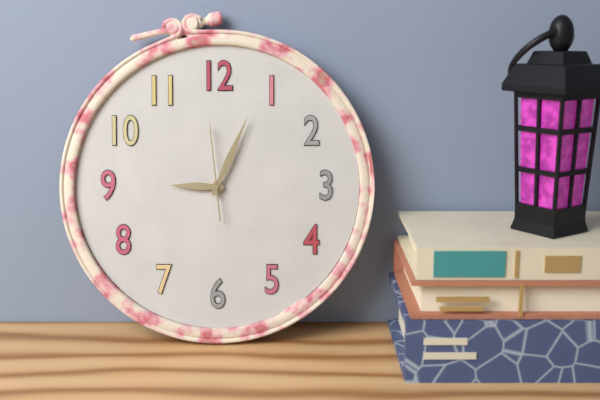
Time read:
9 h 04 min 59 s
